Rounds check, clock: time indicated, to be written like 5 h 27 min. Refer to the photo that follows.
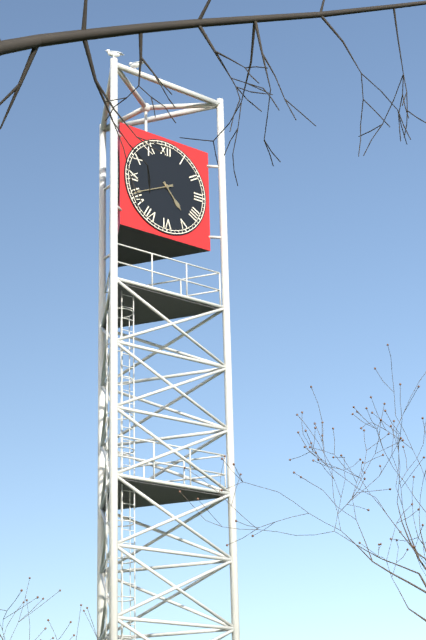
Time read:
4 h 41 min
